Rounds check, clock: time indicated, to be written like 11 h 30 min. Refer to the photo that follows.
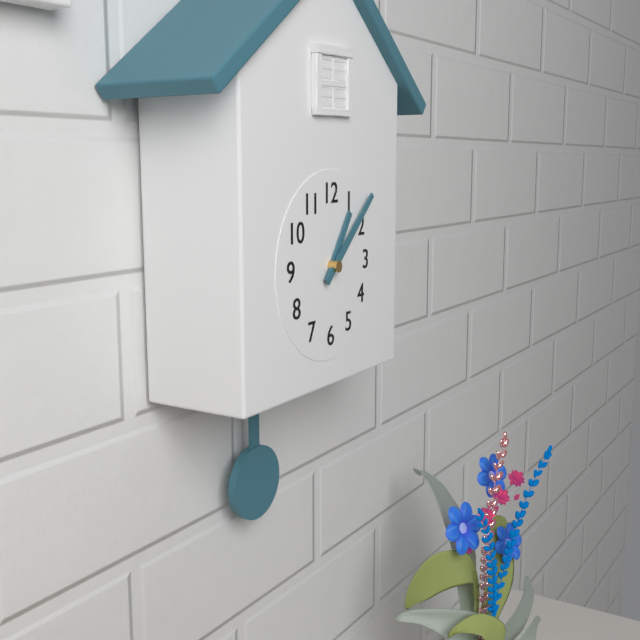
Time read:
1 h 08 min
